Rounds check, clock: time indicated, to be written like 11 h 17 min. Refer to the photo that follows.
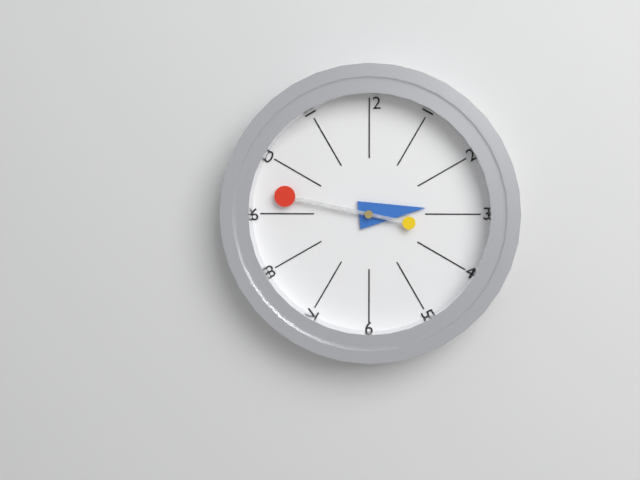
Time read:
2 h 47 min
